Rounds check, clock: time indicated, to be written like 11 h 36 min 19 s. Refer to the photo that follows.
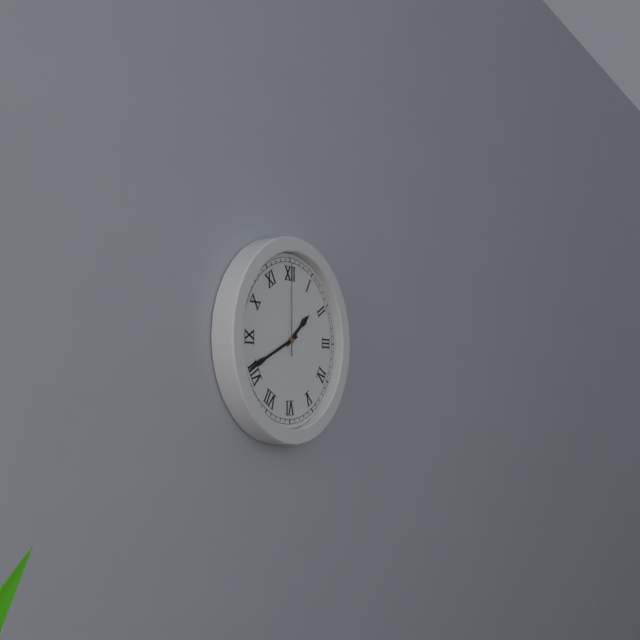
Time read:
1 h 41 min 00 s
